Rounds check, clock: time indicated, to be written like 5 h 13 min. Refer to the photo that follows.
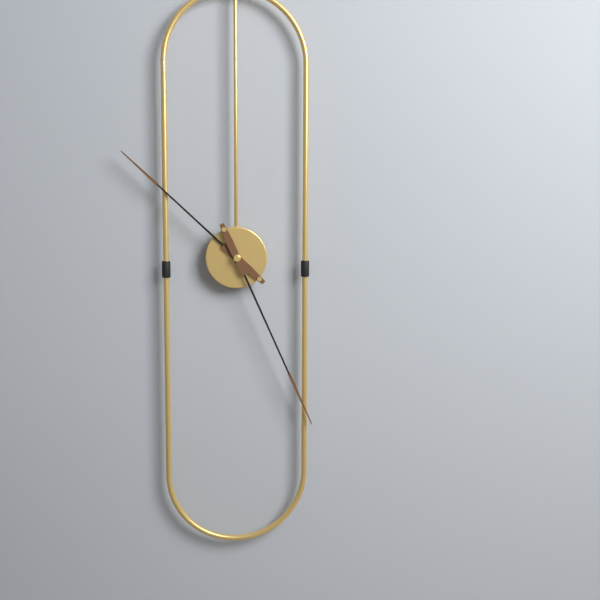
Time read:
10 h 26 min
